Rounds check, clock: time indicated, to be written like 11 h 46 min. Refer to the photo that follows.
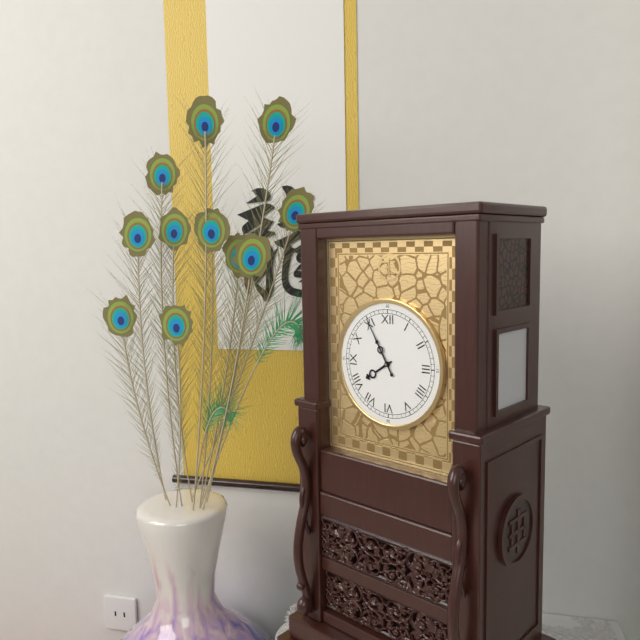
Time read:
7 h 55 min
